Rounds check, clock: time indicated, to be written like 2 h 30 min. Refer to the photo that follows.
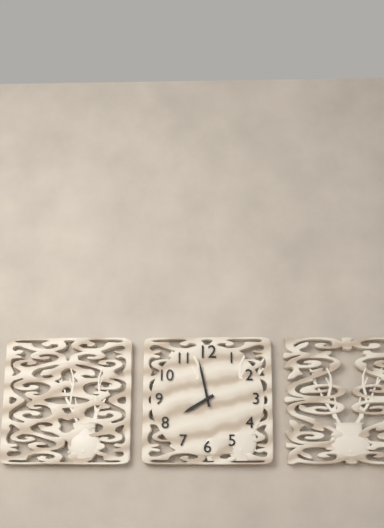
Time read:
7 h 58 min
